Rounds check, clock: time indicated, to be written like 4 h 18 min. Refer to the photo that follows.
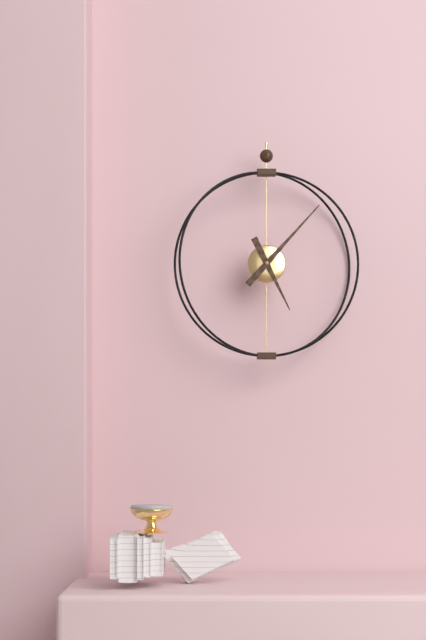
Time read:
5 h 07 min
